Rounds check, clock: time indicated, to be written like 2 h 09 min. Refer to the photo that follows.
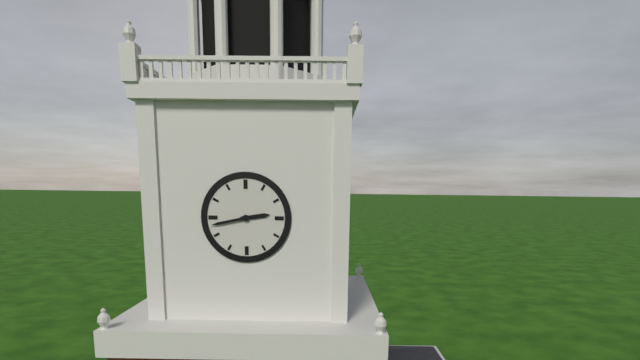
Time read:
2 h 43 min
